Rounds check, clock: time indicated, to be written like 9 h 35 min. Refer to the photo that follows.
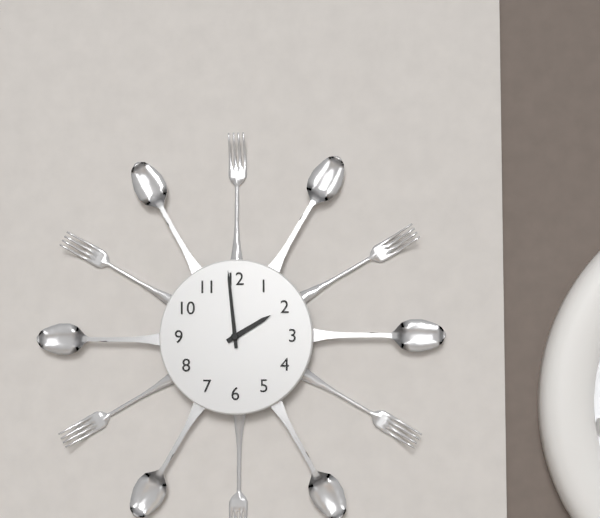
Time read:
1 h 59 min
